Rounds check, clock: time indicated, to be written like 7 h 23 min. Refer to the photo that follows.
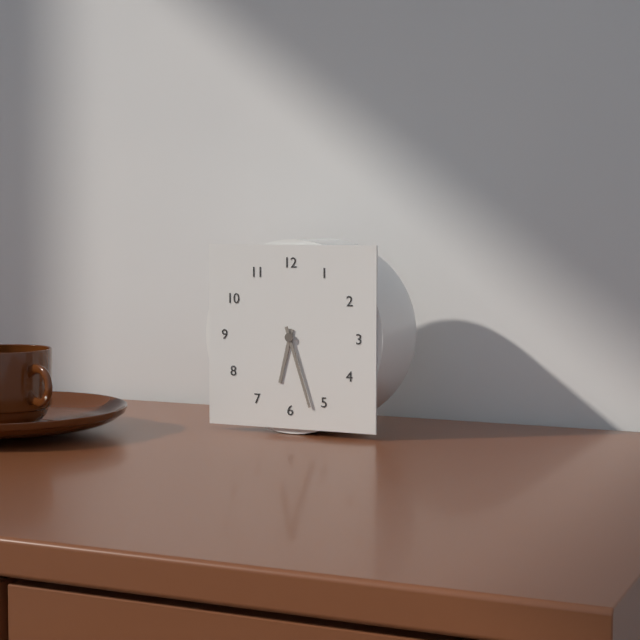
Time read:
6 h 27 min
